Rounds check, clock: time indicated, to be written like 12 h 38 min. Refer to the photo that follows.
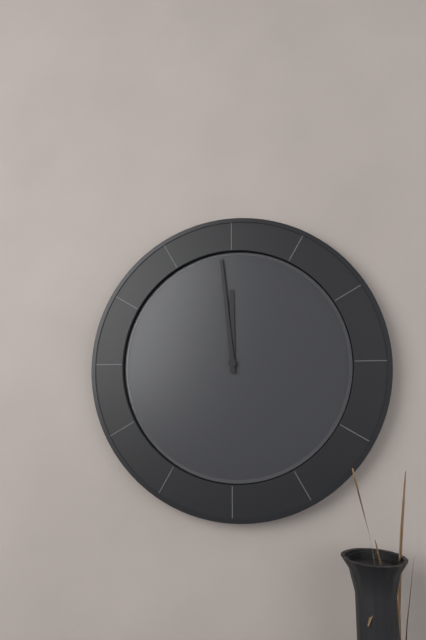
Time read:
11 h 59 min
